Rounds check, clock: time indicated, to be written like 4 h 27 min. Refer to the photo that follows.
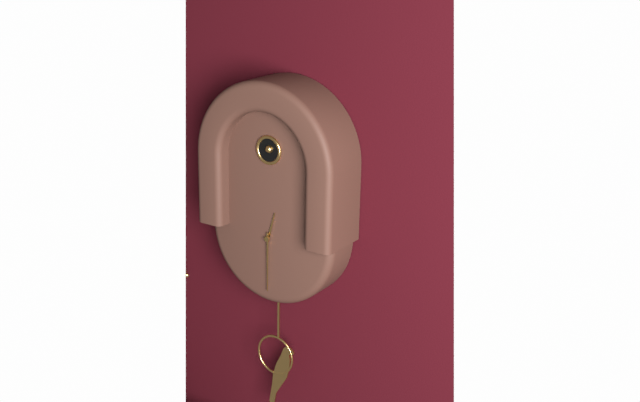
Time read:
12 h 30 min
